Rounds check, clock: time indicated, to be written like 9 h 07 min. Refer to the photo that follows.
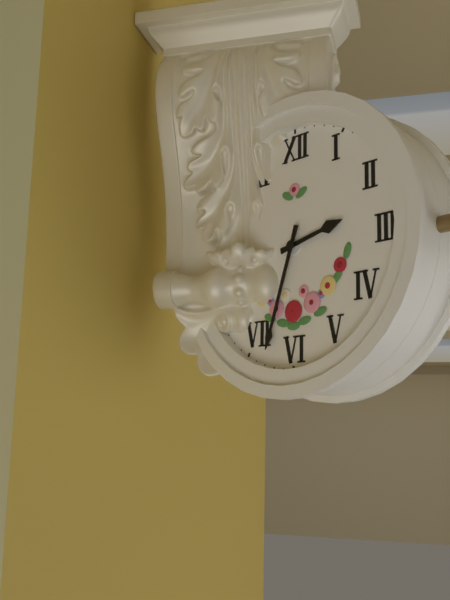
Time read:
2 h 33 min
